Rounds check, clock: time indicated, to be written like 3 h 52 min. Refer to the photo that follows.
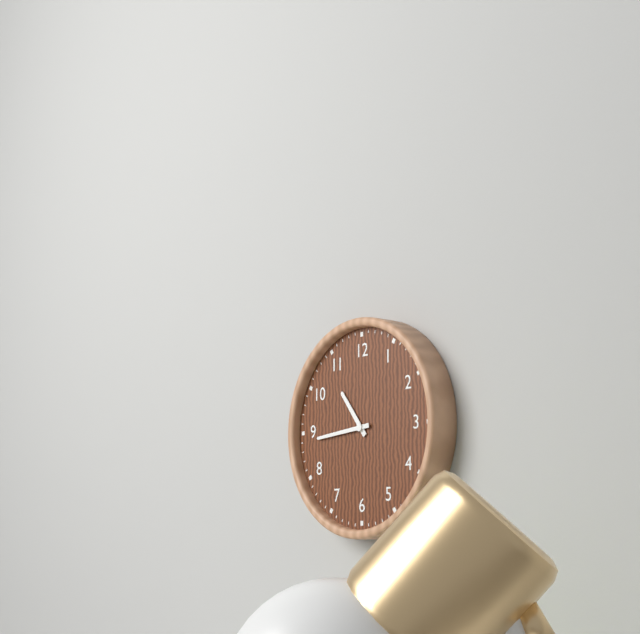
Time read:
10 h 44 min
